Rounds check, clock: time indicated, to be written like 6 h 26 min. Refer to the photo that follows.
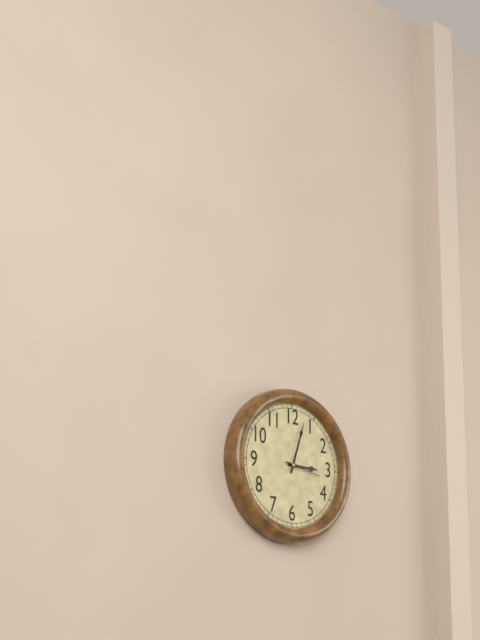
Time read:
3 h 03 min
